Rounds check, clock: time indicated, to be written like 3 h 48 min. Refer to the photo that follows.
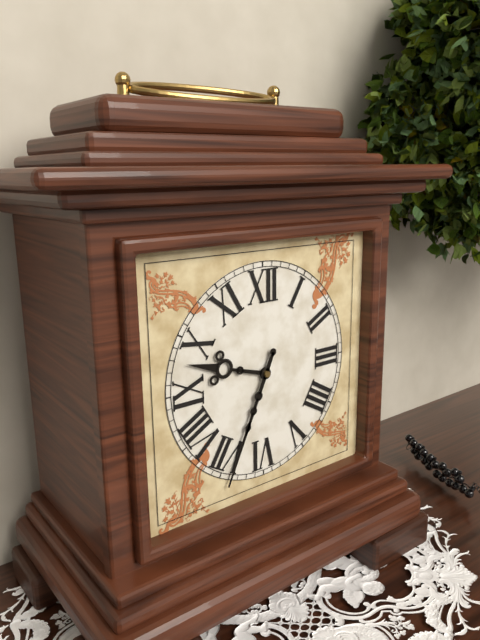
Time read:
9 h 34 min
